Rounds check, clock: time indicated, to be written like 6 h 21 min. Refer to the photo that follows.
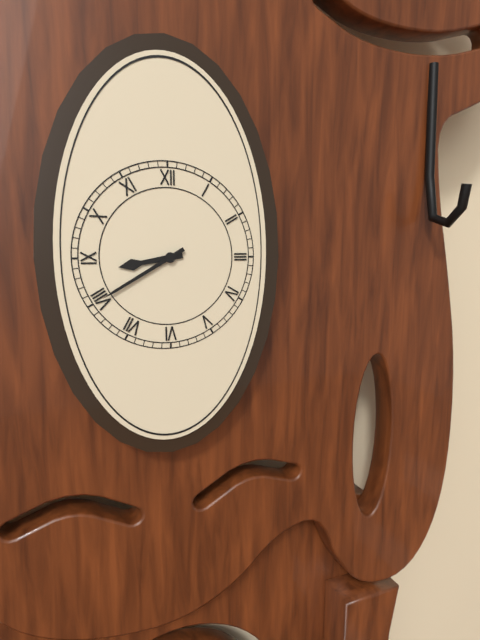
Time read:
8 h 40 min
